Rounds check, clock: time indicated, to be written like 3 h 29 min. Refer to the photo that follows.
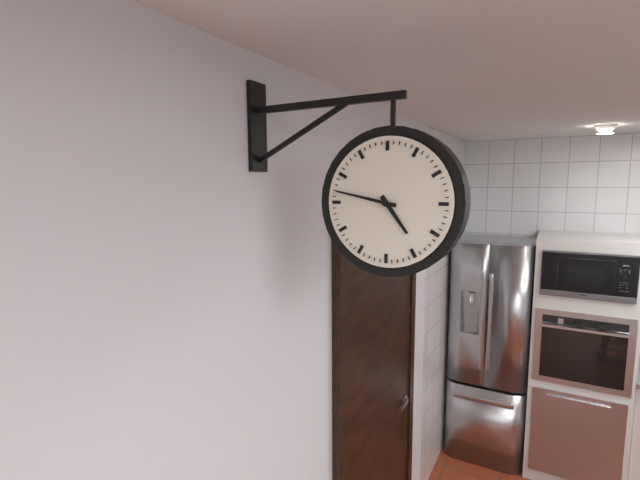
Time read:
4 h 47 min
